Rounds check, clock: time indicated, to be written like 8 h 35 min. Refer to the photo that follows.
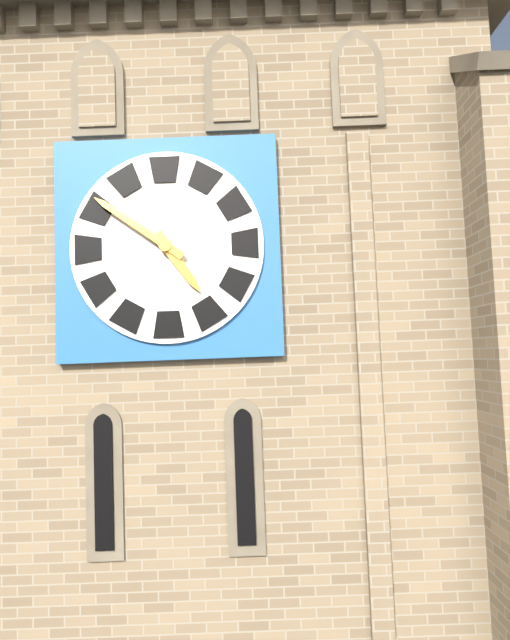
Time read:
4 h 51 min
